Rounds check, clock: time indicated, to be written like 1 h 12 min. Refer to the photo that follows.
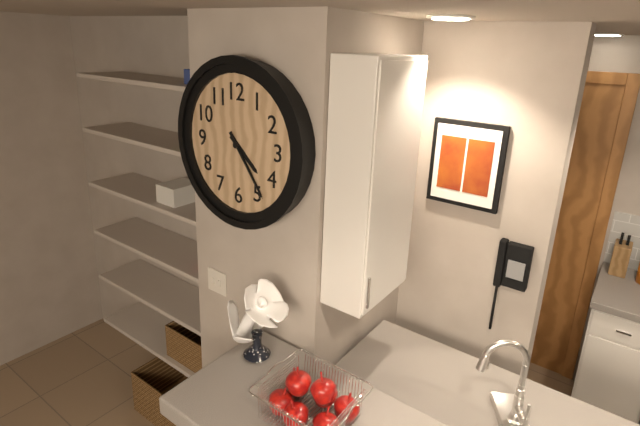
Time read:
4 h 24 min
